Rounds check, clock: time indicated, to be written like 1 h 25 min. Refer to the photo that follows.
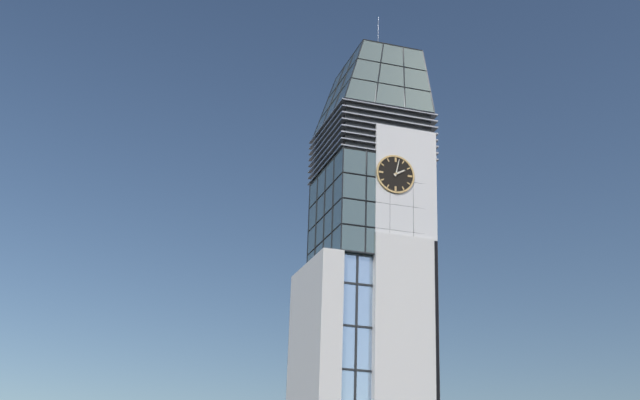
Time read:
2 h 02 min
